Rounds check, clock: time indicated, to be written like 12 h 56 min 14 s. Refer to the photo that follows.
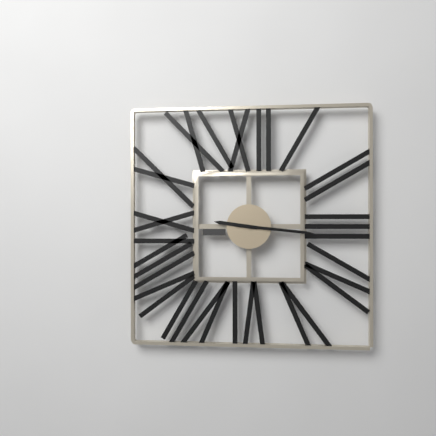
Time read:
9 h 16 min 16 s
